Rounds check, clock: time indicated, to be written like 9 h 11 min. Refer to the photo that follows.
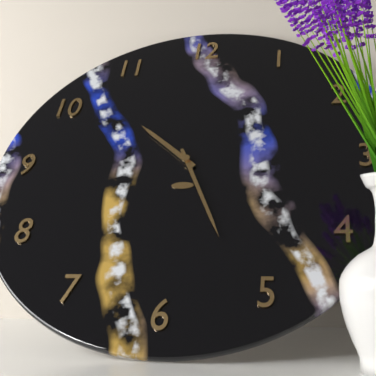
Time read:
10 h 26 min
